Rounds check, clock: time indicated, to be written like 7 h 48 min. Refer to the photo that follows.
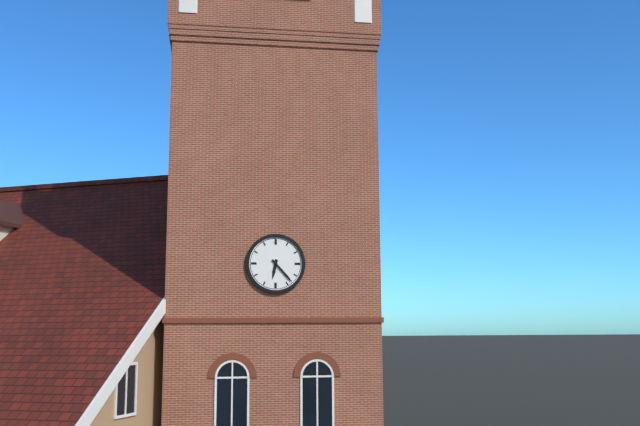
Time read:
6 h 23 min
